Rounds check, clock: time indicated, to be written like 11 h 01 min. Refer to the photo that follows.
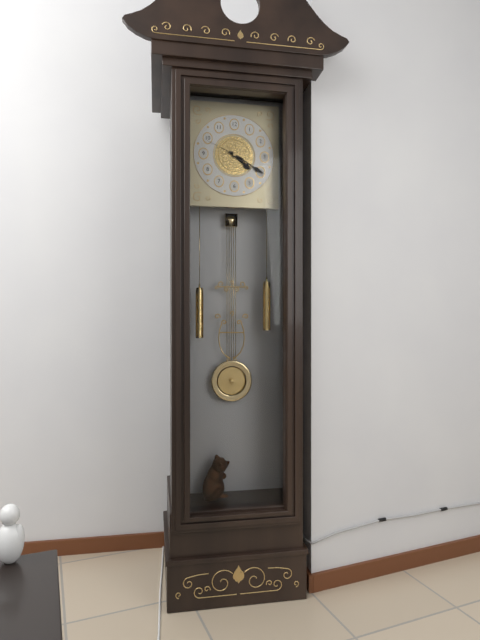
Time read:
4 h 20 min
